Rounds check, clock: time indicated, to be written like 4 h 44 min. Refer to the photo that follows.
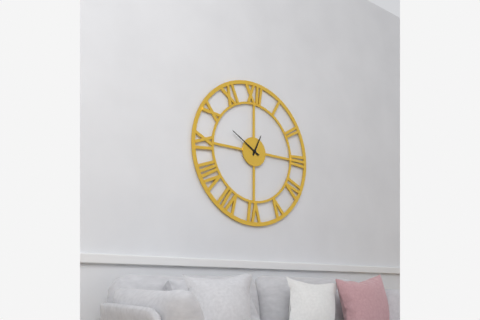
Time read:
12 h 50 min
